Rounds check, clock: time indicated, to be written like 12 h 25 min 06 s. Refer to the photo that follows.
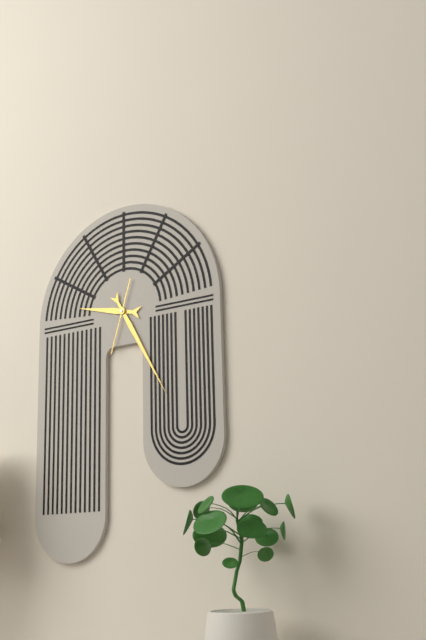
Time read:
9 h 25 min 33 s
